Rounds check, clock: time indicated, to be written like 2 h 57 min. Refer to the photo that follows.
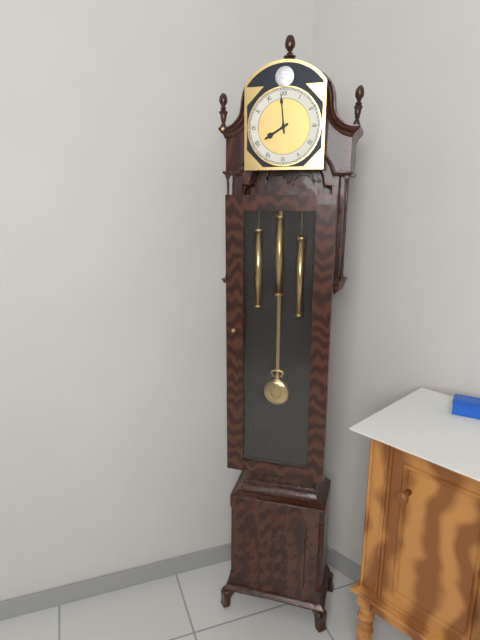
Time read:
7 h 59 min
